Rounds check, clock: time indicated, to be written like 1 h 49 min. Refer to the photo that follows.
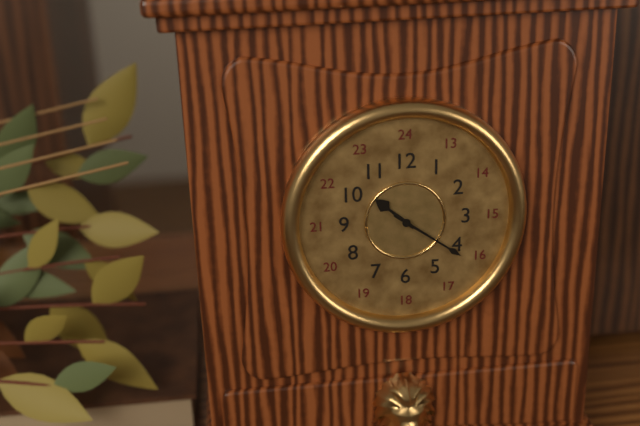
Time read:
10 h 21 min
